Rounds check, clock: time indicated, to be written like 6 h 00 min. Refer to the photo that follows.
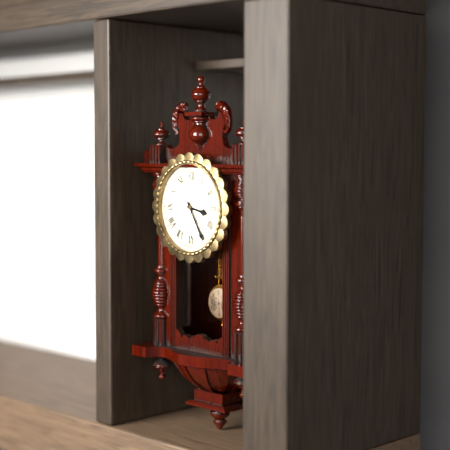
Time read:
3 h 25 min
